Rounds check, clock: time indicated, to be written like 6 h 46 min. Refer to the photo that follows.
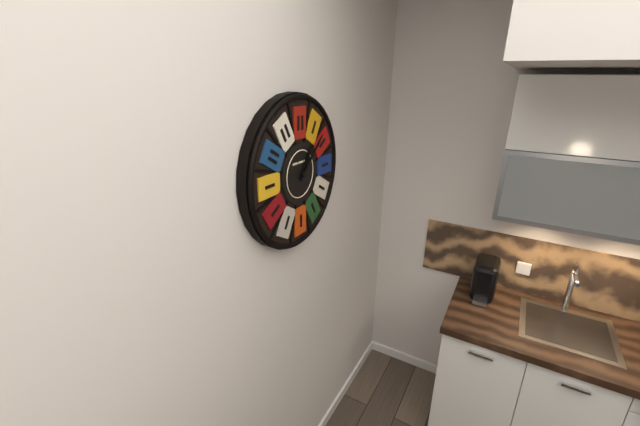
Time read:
1 h 08 min
